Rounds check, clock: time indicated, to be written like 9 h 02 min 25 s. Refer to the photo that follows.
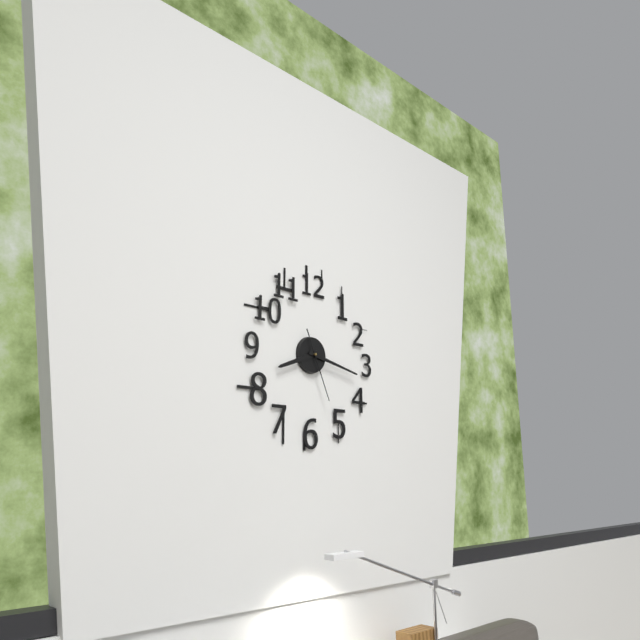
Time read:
8 h 17 min 26 s
